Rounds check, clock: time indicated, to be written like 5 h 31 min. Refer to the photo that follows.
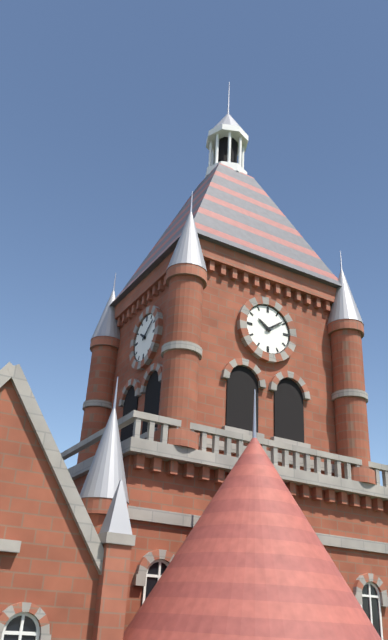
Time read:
10 h 09 min
